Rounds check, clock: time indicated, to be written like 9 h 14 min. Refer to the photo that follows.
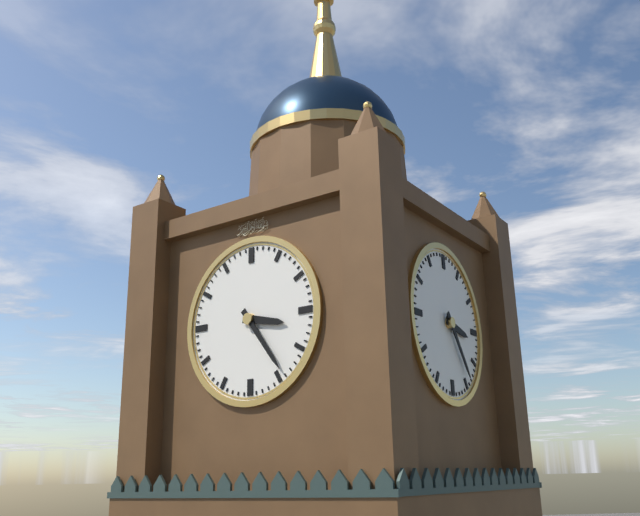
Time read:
3 h 24 min
